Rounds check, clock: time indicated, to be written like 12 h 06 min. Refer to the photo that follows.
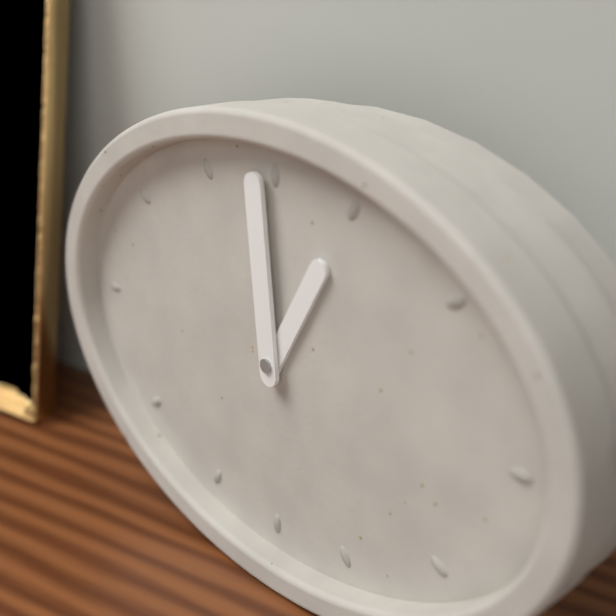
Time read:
12 h 59 min
